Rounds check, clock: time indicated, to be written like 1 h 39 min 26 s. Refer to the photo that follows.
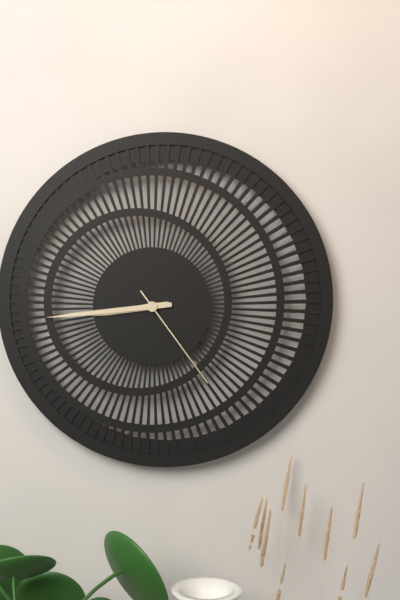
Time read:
8 h 44 min 24 s
